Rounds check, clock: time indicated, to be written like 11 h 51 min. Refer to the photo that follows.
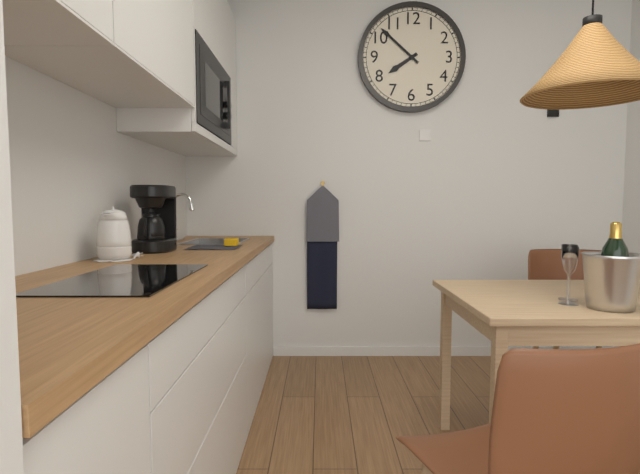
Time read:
7 h 52 min
